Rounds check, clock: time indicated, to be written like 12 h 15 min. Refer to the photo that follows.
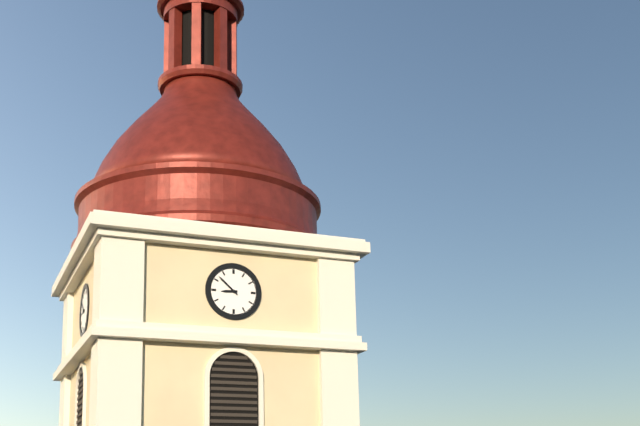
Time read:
8 h 52 min
